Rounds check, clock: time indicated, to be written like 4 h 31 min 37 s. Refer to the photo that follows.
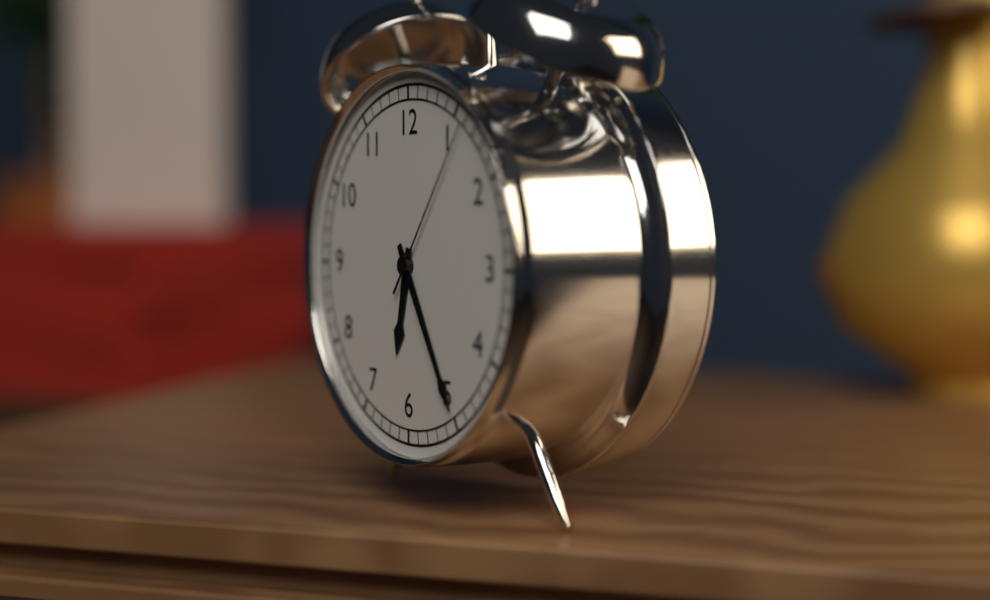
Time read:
6 h 25 min 06 s
